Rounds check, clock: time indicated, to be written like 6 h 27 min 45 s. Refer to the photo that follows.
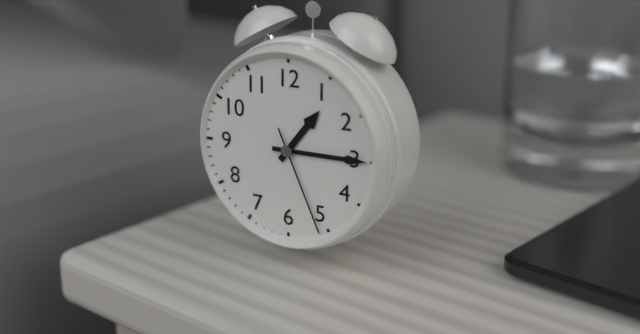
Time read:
1 h 15 min 26 s
